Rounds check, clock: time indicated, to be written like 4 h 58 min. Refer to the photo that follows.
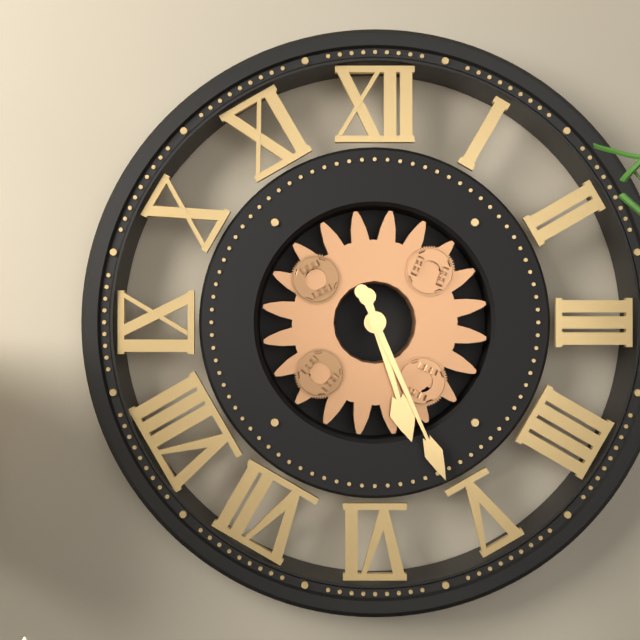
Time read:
5 h 26 min
